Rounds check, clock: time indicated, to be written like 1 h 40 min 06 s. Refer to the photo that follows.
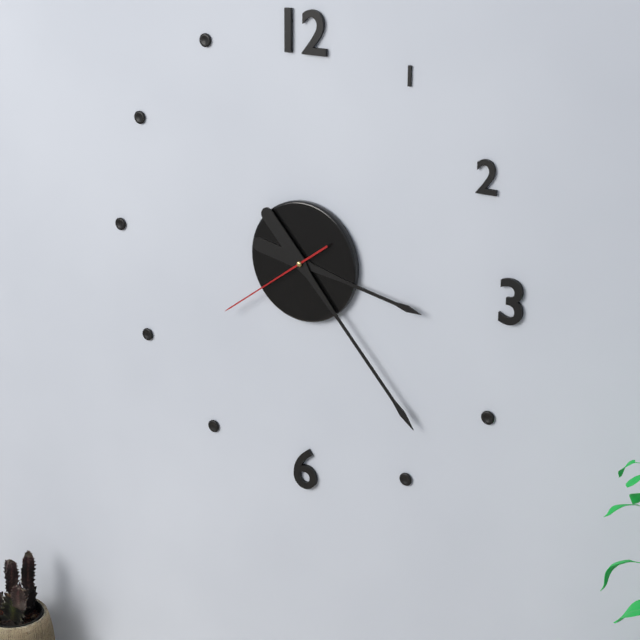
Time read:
3 h 23 min 39 s
